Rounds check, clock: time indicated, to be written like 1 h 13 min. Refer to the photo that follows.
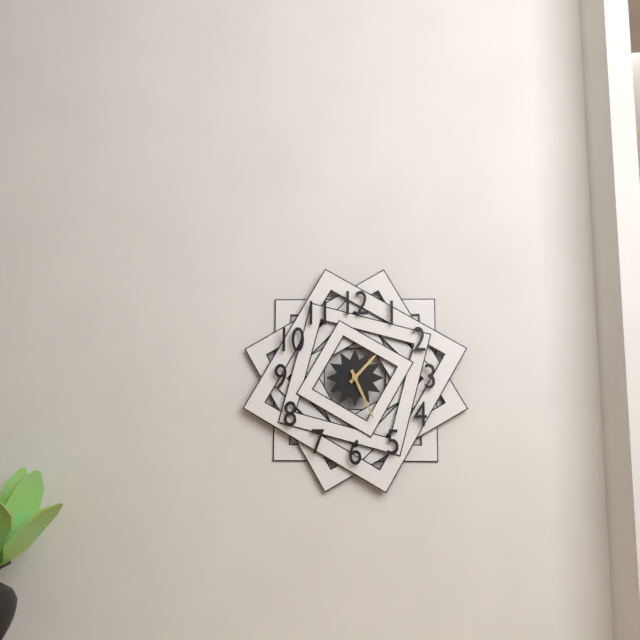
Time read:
1 h 26 min
